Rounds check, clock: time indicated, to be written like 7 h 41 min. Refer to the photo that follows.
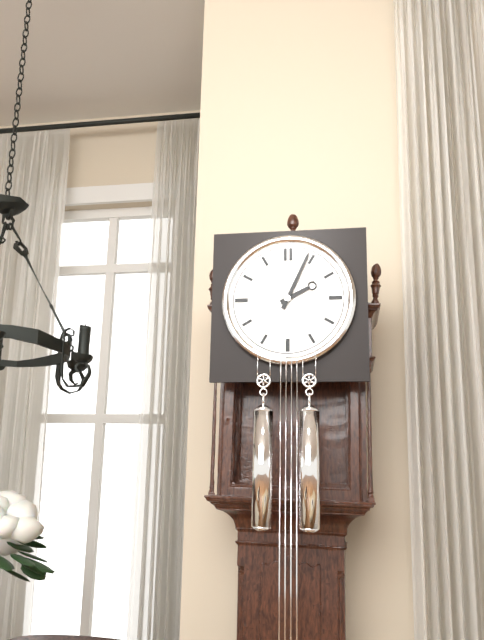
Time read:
2 h 04 min
